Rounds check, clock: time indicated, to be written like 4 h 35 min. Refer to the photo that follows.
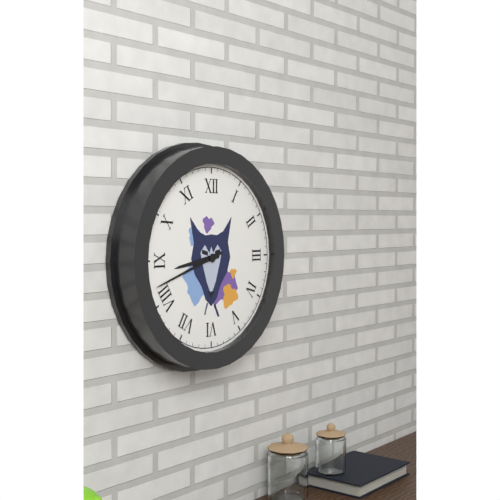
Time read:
8 h 42 min
